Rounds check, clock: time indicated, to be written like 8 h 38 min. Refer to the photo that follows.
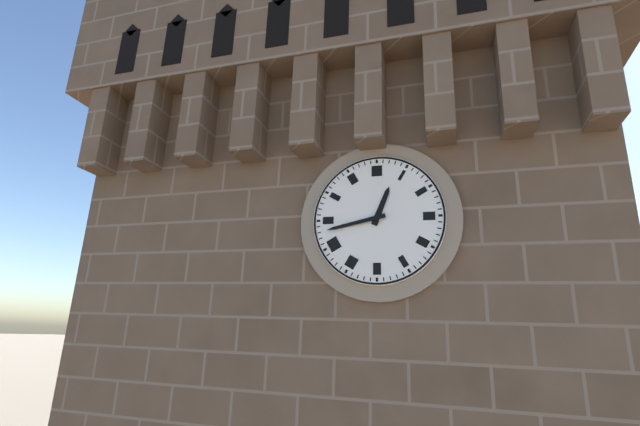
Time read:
12 h 43 min
